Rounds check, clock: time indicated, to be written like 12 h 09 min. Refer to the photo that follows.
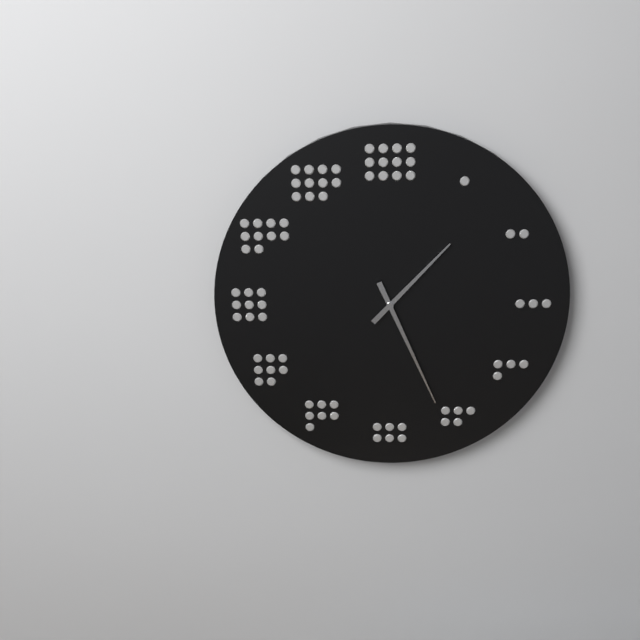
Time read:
1 h 26 min
